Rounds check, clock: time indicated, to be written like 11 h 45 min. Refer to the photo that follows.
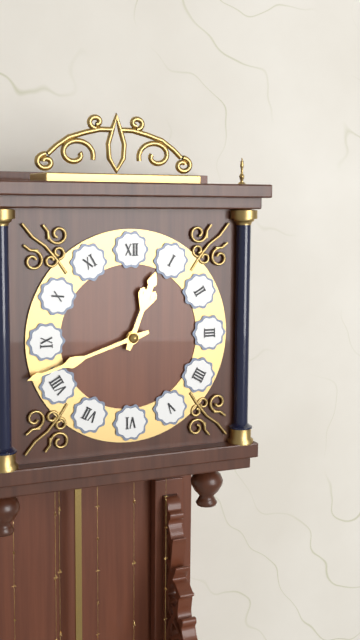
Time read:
12 h 42 min
